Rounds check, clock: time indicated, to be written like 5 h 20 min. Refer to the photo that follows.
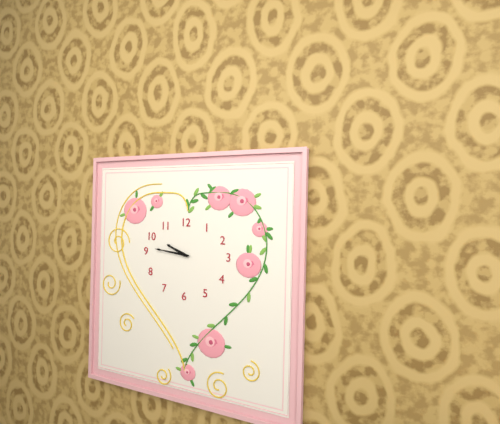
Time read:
9 h 46 min
